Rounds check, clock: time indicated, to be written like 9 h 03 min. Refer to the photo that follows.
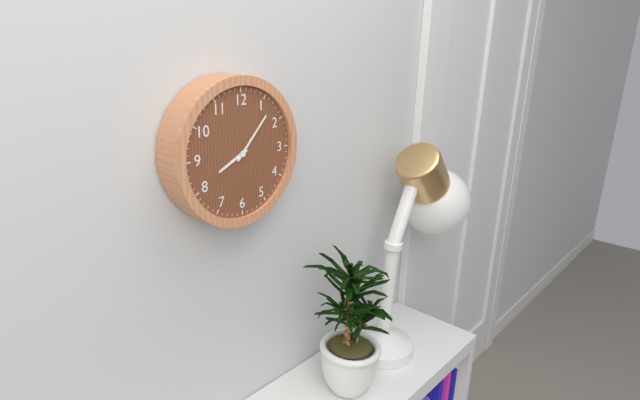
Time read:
8 h 07 min
